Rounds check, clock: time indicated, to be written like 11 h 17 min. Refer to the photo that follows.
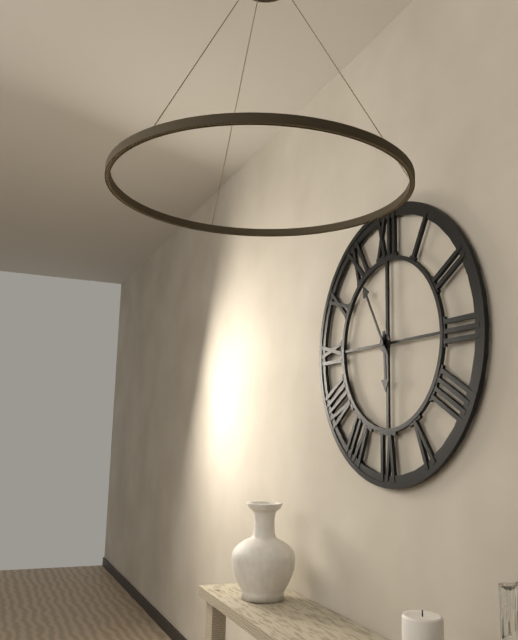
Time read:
5 h 55 min
